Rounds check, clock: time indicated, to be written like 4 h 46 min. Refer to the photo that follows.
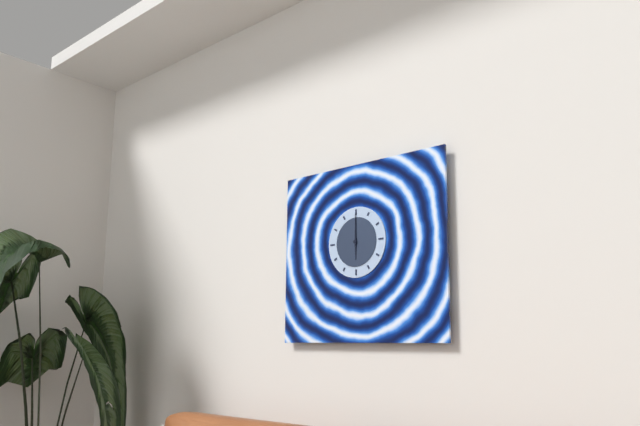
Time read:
6 h 00 min
